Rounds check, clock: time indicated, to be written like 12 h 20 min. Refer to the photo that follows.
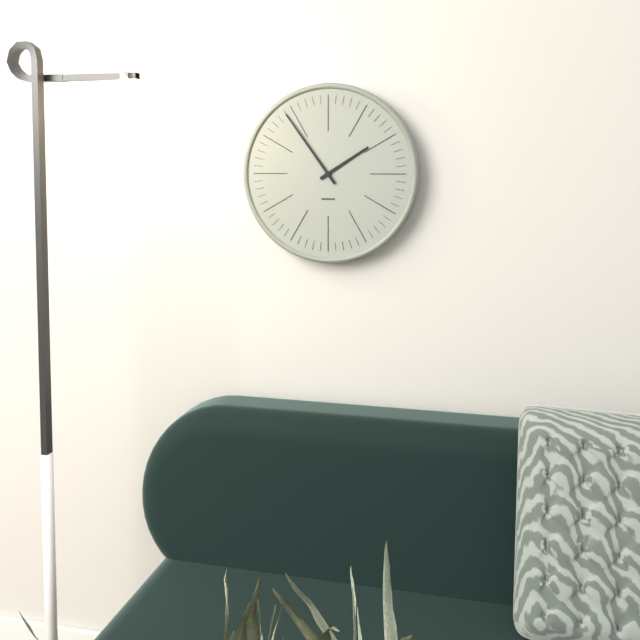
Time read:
1 h 54 min
